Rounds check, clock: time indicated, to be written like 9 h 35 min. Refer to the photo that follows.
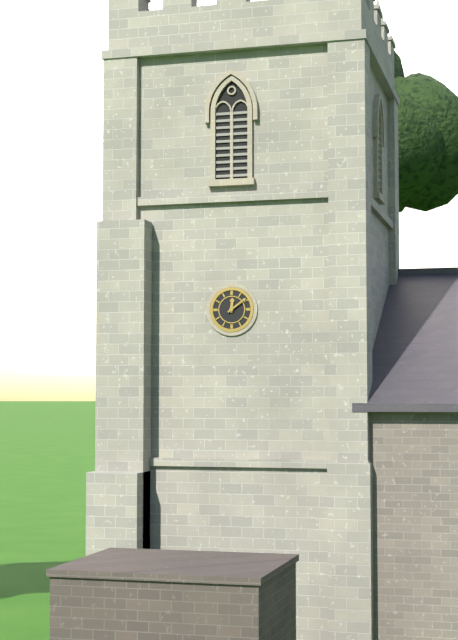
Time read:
12 h 09 min
